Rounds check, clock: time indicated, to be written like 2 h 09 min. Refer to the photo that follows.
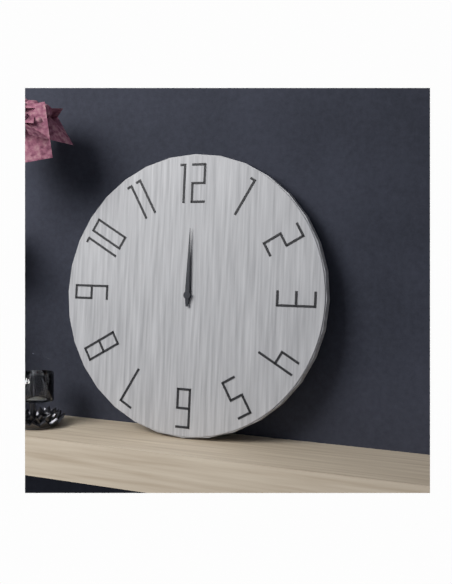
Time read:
12 h 00 min
